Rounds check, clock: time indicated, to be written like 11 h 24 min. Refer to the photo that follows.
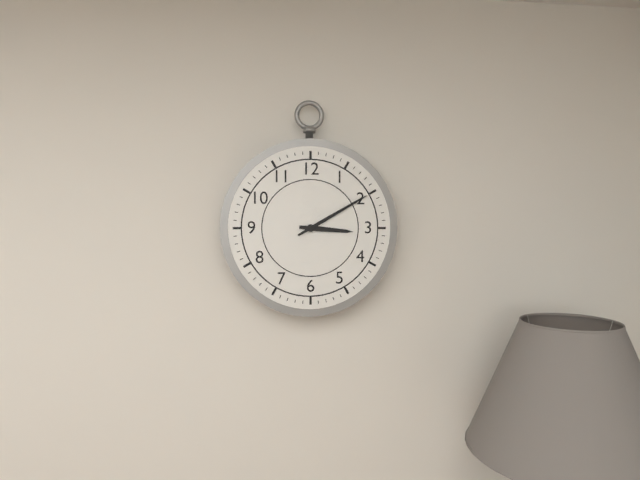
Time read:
3 h 10 min
